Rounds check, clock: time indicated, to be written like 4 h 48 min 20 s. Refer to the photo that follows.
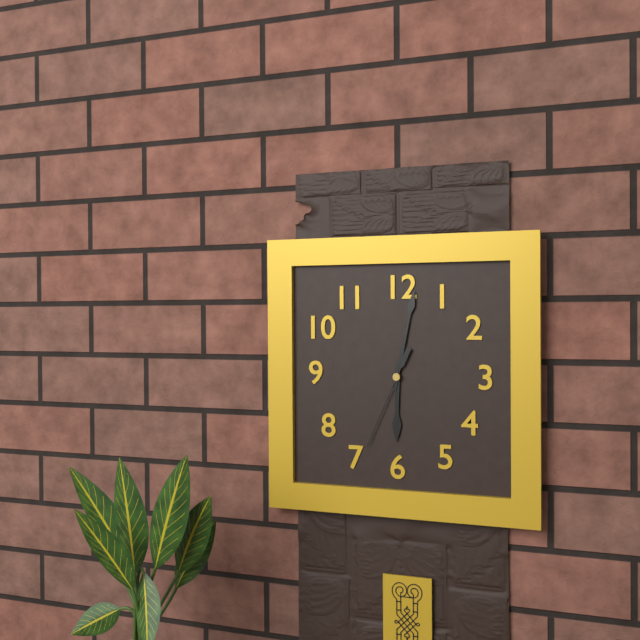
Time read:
6 h 02 min 34 s
